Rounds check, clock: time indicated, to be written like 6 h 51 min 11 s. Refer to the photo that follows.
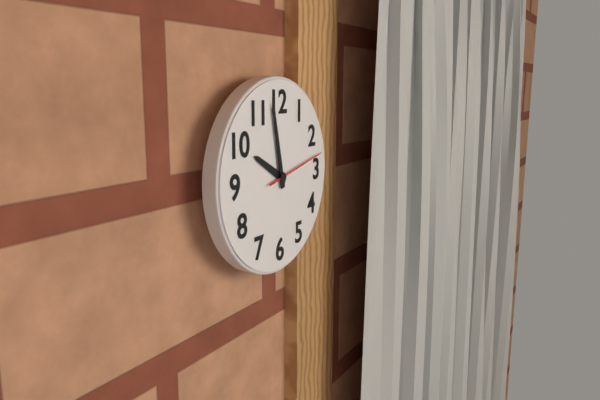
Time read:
9 h 58 min 13 s
